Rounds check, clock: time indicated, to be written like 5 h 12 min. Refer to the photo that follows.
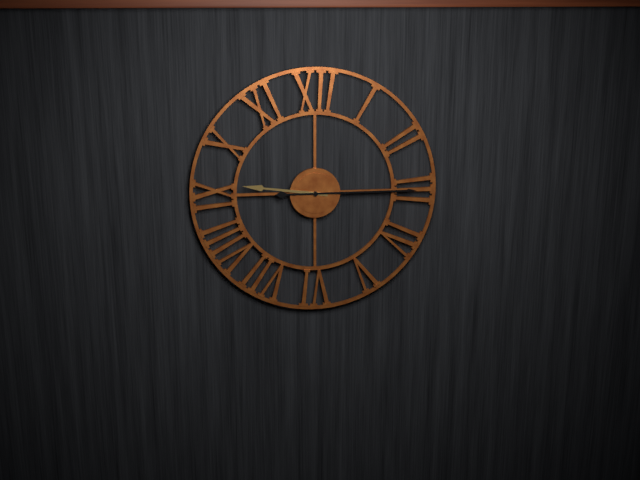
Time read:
9 h 15 min
